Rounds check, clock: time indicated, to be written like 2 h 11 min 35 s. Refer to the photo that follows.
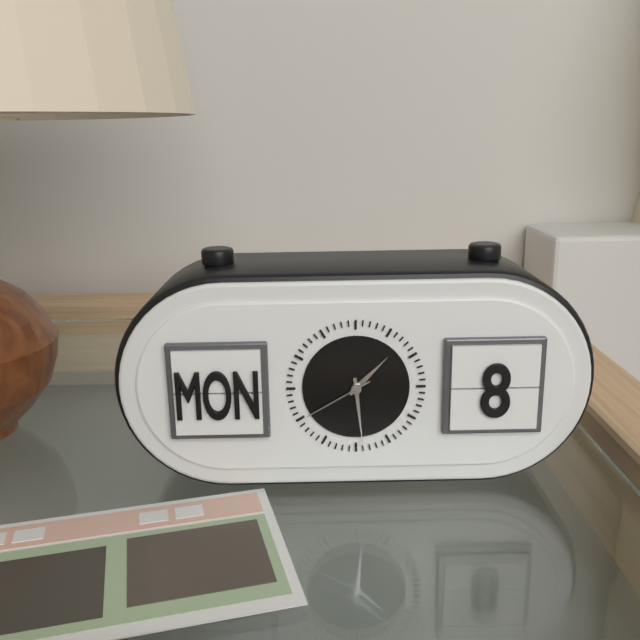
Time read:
1 h 29 min 40 s
